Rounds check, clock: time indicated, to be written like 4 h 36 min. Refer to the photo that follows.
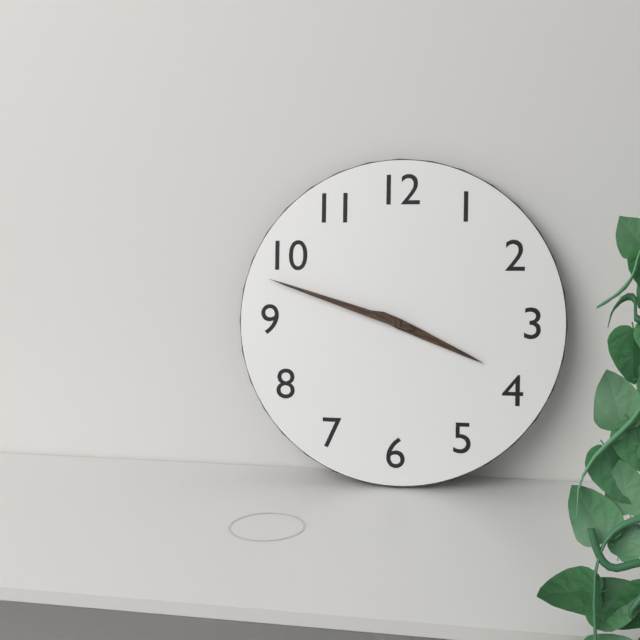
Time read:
3 h 48 min
